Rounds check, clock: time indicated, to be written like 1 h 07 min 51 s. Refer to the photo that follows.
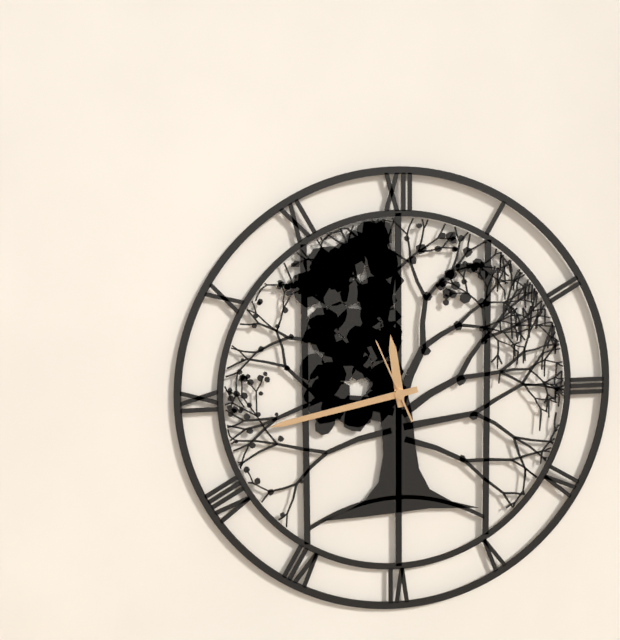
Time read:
11 h 43 min 56 s
